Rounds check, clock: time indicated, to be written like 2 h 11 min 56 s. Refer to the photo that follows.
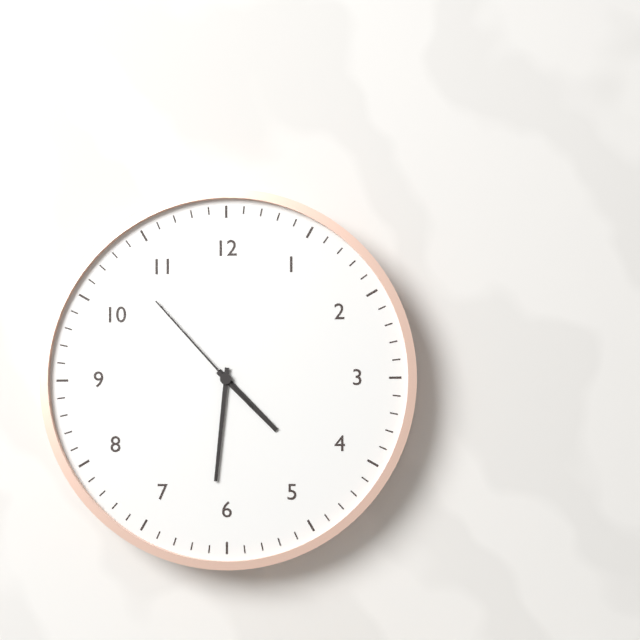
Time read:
4 h 31 min 53 s
